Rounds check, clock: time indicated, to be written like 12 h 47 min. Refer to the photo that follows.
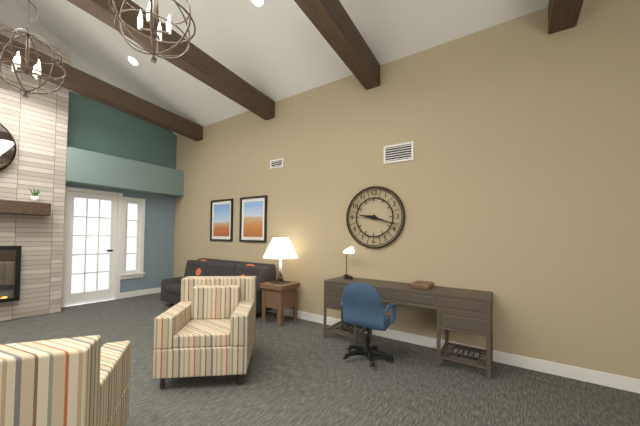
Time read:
9 h 18 min
